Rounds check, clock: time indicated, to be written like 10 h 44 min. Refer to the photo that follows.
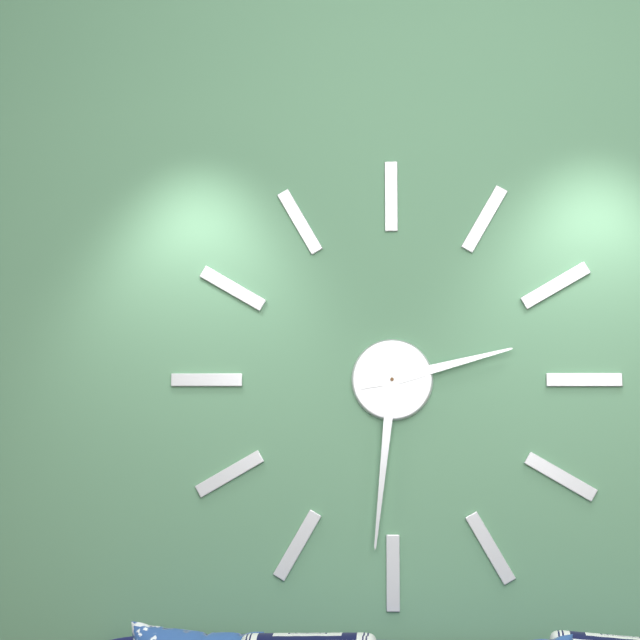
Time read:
2 h 31 min
